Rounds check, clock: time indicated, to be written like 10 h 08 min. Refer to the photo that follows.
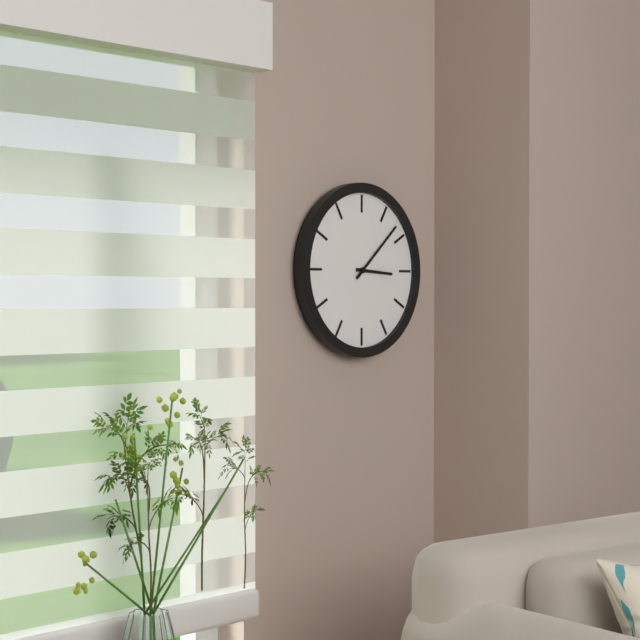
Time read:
3 h 08 min
